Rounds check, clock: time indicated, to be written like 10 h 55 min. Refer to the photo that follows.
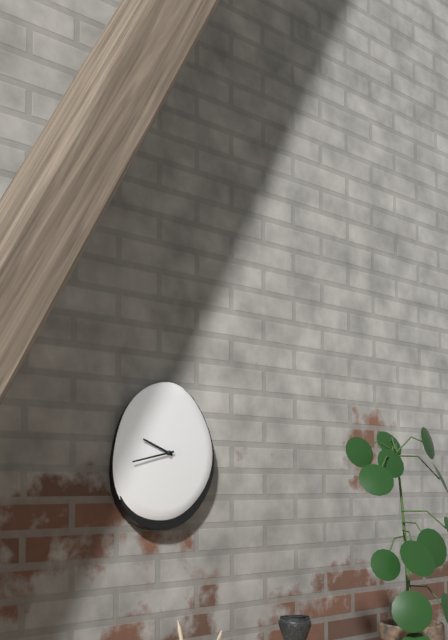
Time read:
9 h 43 min
